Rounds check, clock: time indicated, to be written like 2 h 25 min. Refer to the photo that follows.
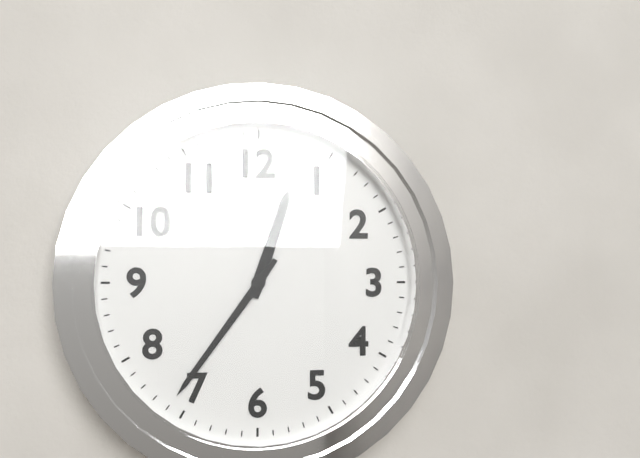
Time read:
12 h 36 min
